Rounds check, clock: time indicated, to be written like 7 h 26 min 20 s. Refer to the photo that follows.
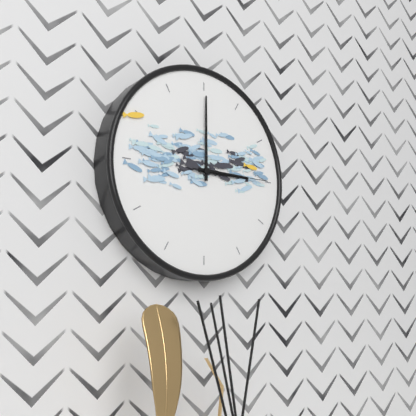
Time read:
3 h 00 min 15 s
